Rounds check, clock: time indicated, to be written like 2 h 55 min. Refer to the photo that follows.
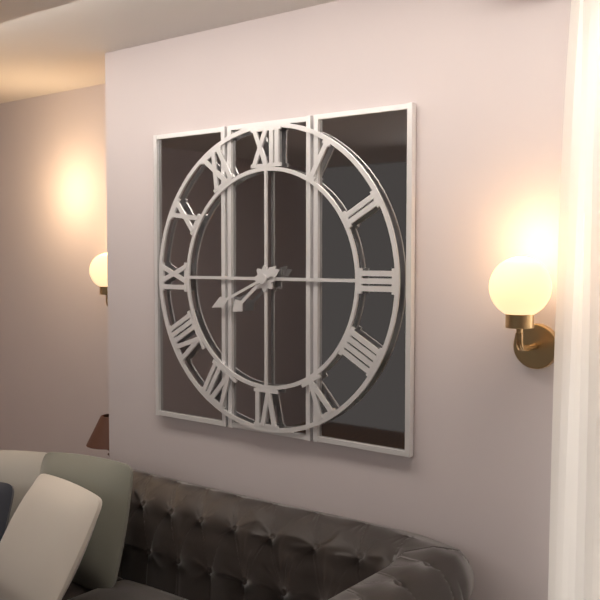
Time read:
7 h 41 min
